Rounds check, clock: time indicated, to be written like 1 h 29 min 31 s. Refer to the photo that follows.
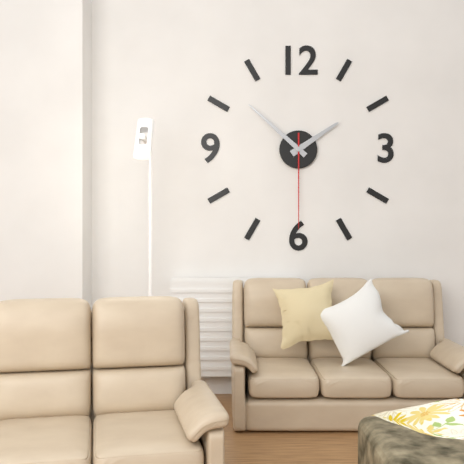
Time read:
1 h 52 min 30 s
